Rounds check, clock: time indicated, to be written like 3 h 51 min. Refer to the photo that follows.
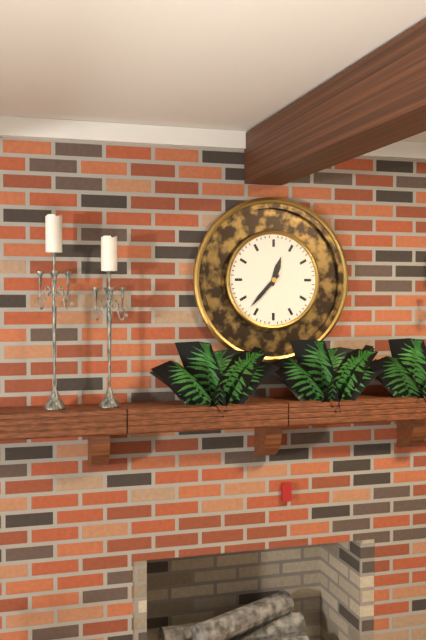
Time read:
12 h 37 min
